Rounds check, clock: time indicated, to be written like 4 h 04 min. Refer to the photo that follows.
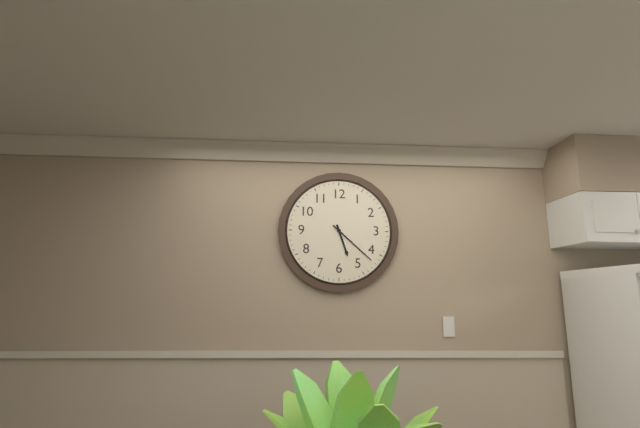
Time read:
5 h 22 min
